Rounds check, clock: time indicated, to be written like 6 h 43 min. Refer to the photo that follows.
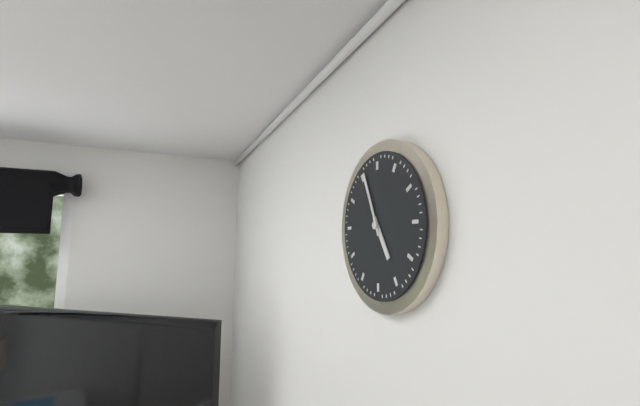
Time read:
4 h 56 min
